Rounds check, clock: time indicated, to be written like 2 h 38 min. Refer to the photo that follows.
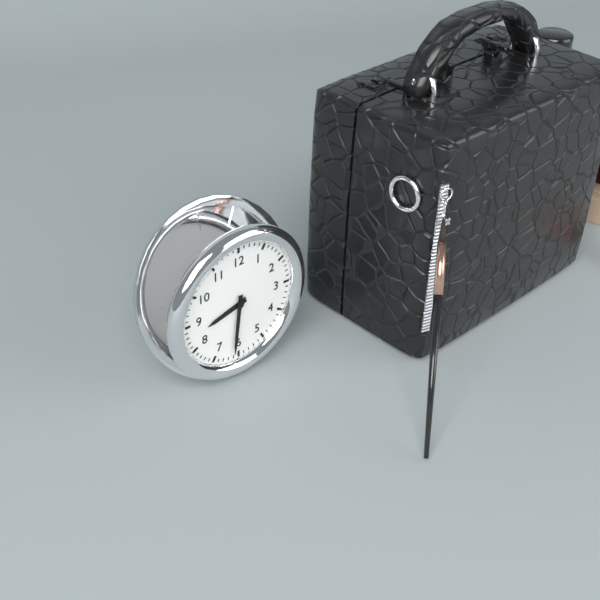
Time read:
8 h 31 min
